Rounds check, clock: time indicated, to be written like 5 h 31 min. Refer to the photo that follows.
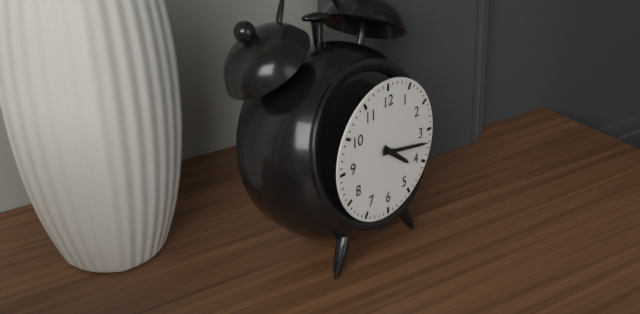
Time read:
4 h 17 min
